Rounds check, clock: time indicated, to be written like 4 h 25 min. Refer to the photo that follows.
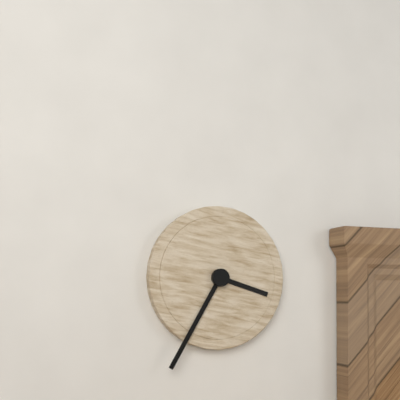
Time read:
3 h 35 min
